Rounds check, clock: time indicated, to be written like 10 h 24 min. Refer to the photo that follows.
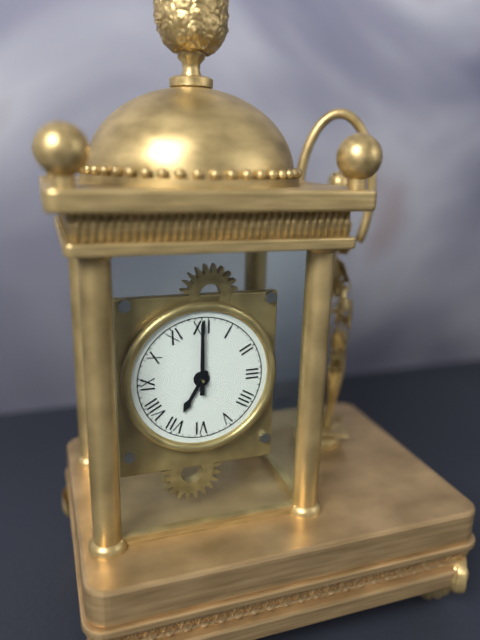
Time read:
7 h 00 min
